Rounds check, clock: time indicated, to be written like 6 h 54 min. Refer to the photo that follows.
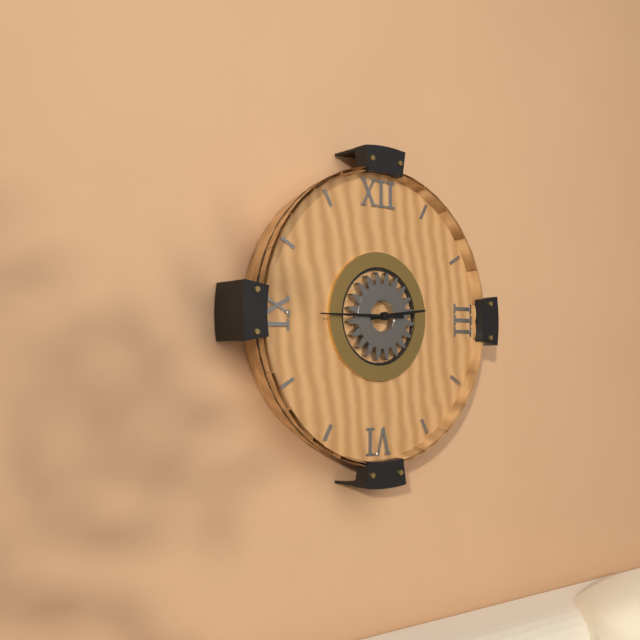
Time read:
2 h 45 min
